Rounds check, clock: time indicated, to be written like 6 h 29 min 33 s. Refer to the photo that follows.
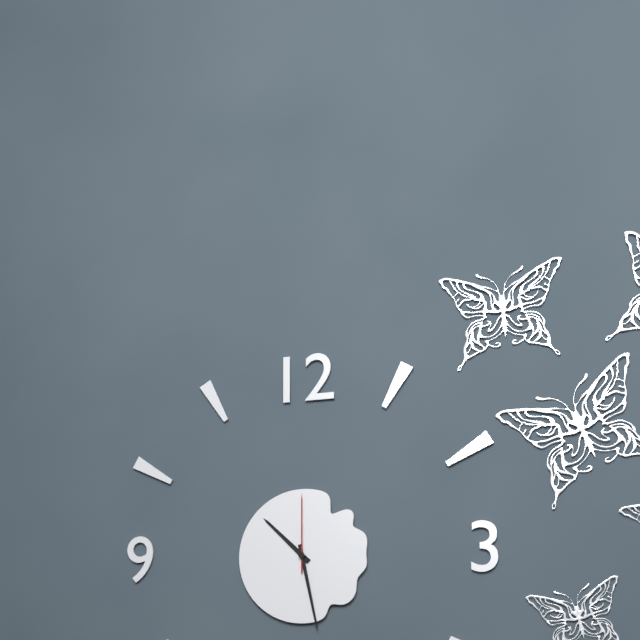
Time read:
10 h 28 min 00 s
